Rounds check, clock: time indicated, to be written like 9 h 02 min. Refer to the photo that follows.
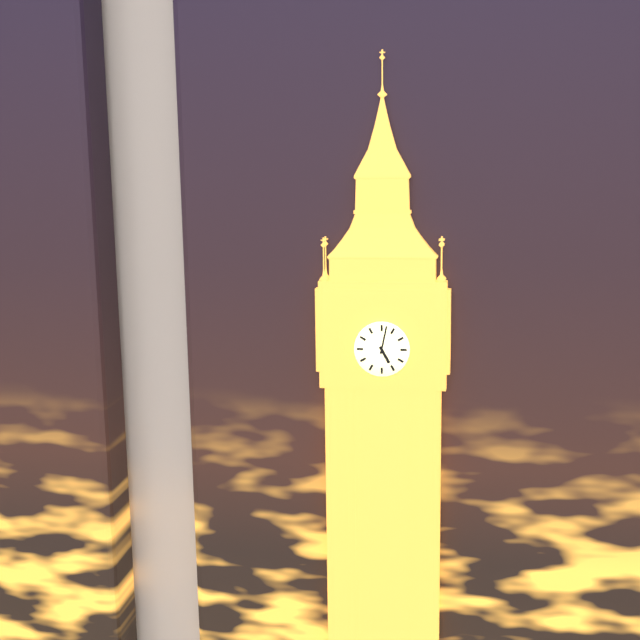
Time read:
5 h 02 min
